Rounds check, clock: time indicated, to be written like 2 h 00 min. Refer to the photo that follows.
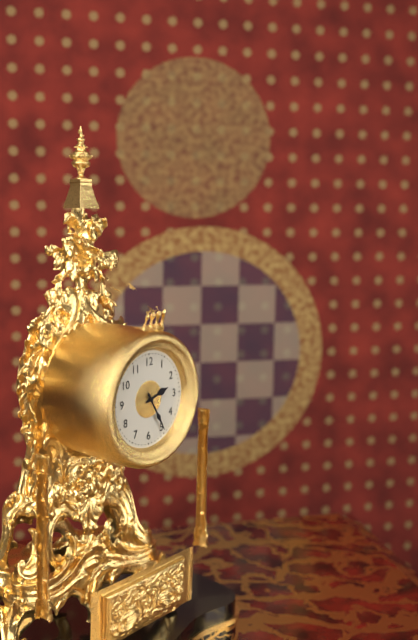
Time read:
2 h 25 min
